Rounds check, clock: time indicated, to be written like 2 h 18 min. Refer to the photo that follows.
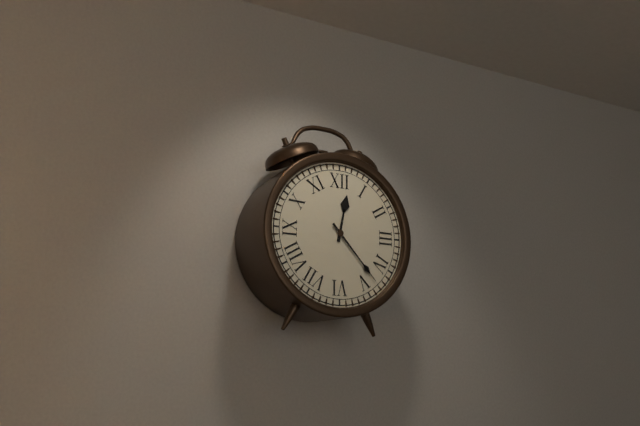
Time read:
12 h 23 min
